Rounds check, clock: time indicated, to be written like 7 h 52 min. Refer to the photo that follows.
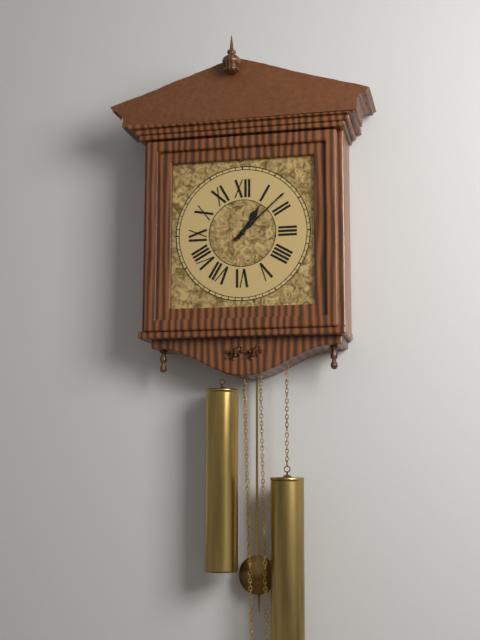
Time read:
1 h 08 min
